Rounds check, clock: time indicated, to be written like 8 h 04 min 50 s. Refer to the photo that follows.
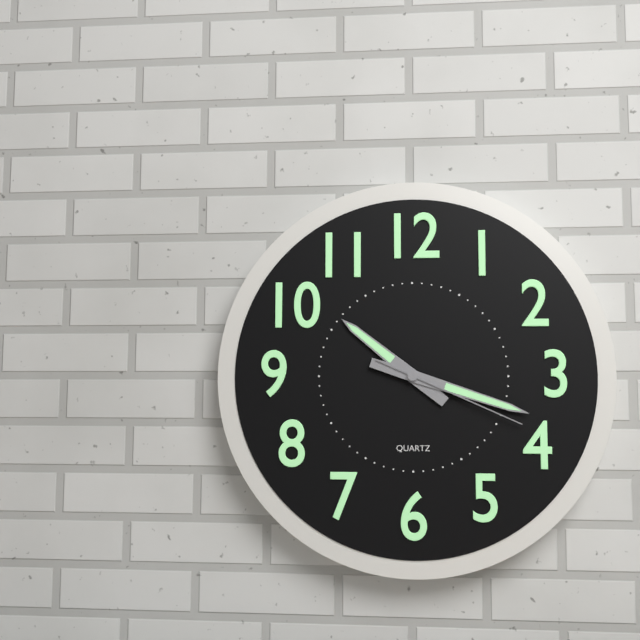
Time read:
10 h 18 min 19 s
